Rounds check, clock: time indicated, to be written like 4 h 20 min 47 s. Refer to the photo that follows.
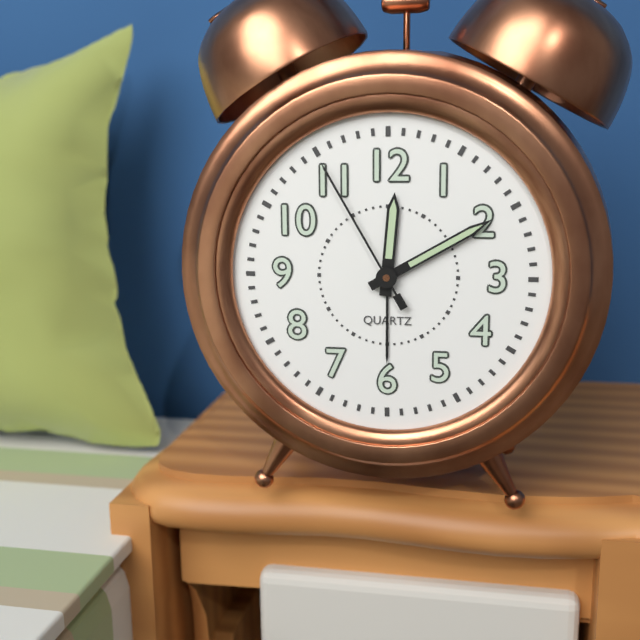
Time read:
12 h 10 min 55 s
